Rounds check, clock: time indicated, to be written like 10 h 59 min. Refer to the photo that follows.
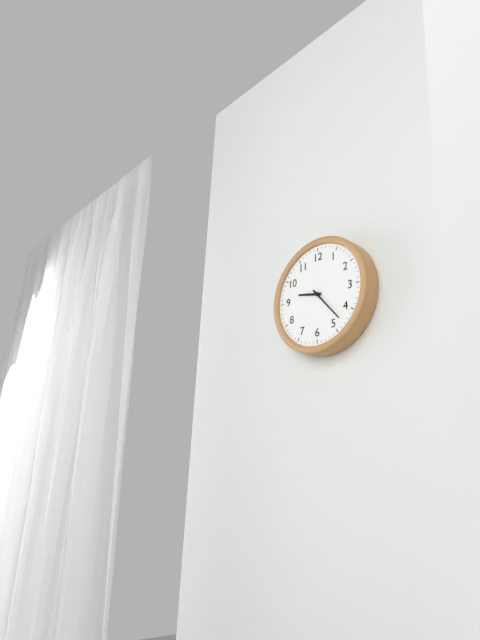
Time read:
9 h 23 min
